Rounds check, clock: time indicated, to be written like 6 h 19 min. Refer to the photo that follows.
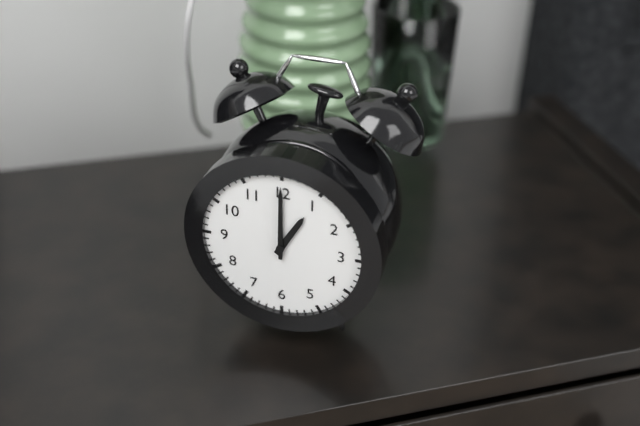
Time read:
1 h 00 min
